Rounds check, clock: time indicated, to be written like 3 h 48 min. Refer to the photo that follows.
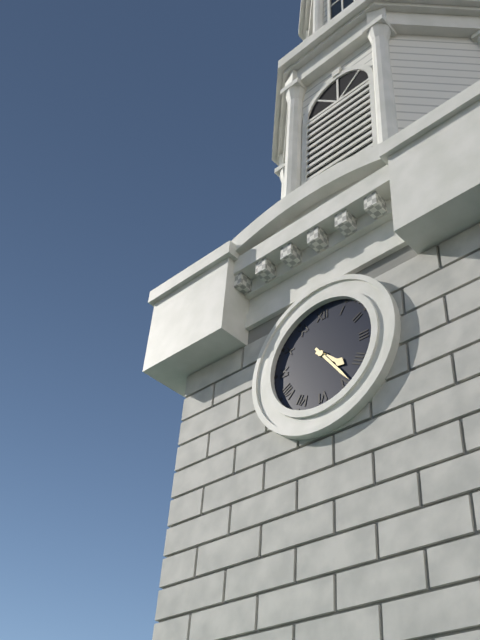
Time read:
4 h 24 min
